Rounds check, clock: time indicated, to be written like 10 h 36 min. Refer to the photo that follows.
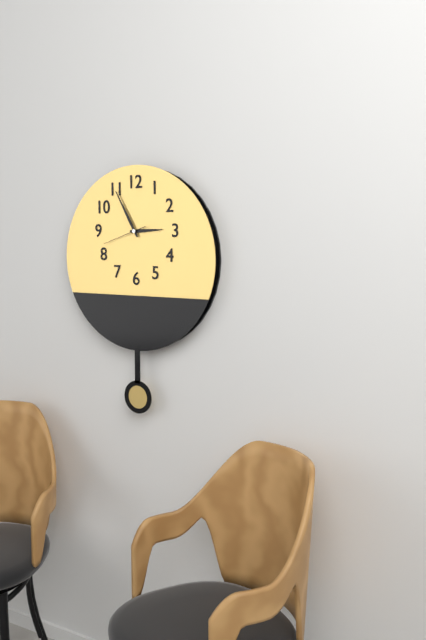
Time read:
2 h 55 min
